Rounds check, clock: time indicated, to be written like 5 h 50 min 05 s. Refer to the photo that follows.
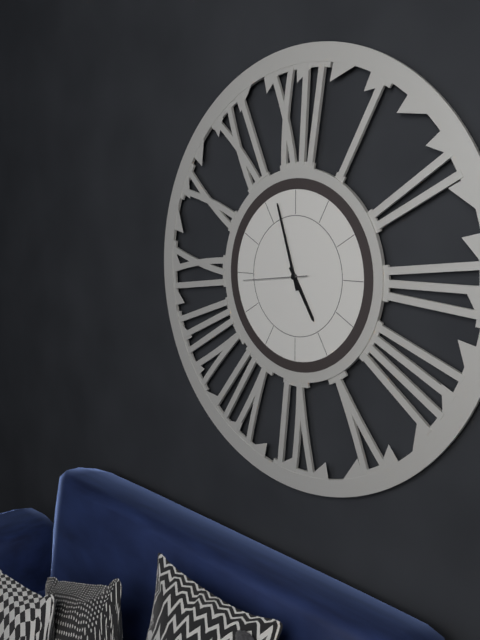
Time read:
4 h 57 min 44 s
